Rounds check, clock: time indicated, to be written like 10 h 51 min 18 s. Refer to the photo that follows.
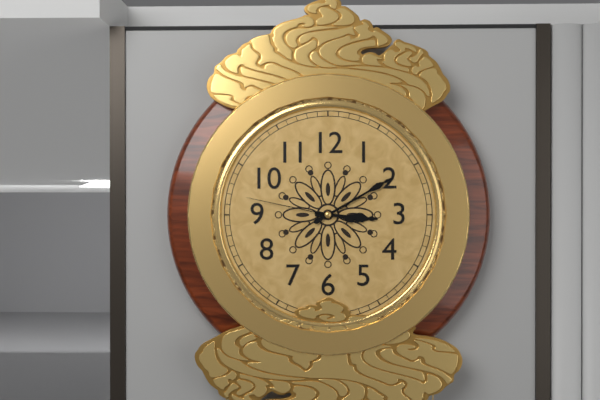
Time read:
3 h 10 min 47 s
